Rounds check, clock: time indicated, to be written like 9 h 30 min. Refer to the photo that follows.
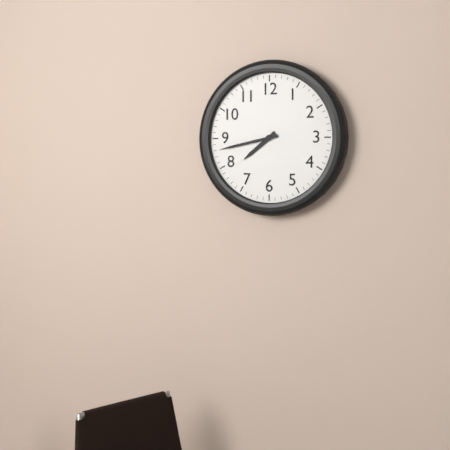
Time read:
7 h 43 min
